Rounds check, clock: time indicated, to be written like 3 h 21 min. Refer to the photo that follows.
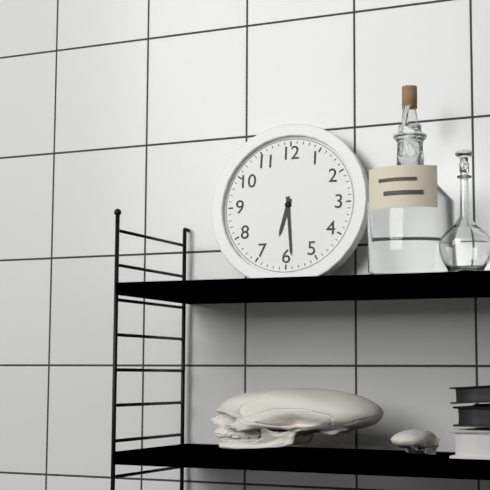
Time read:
6 h 29 min
